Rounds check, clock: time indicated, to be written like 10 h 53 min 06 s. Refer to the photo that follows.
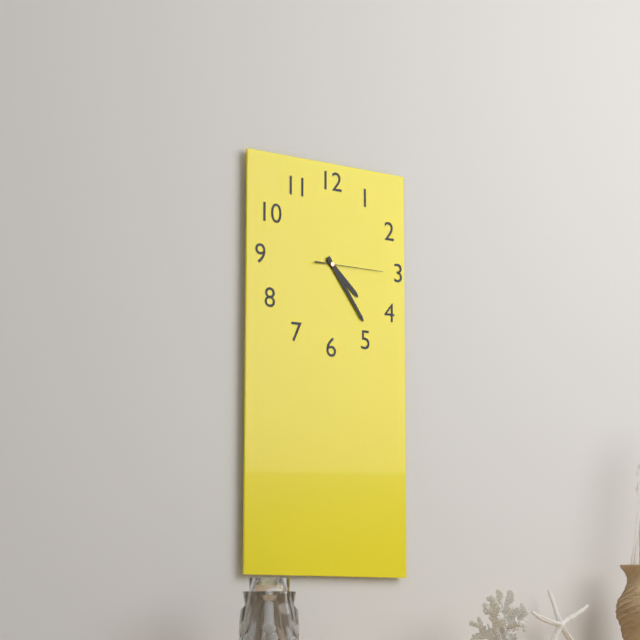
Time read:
4 h 24 min 15 s
